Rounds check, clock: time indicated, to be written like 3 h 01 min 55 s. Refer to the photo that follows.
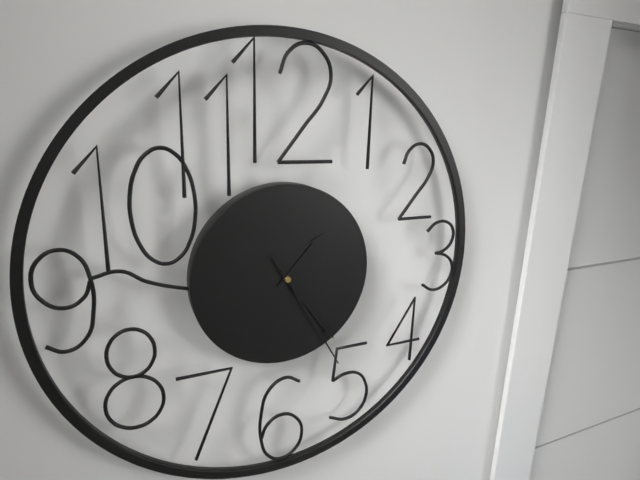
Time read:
1 h 24 min 25 s
